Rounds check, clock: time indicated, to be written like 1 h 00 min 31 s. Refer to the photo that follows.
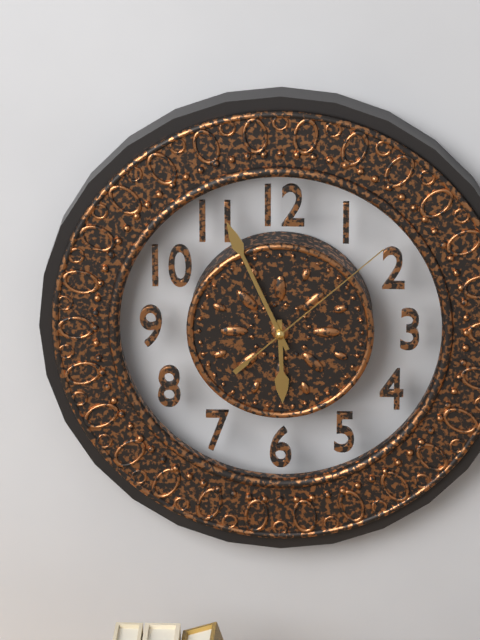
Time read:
5 h 56 min 08 s
